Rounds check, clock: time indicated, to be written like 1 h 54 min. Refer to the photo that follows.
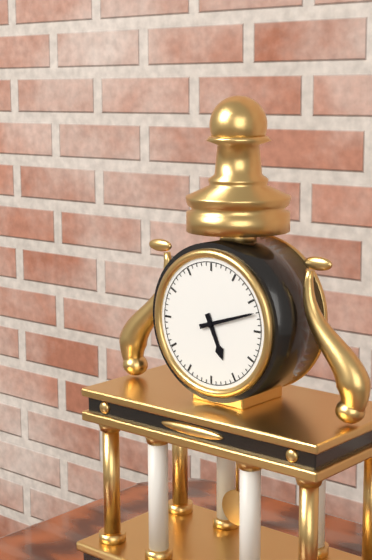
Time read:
5 h 12 min
